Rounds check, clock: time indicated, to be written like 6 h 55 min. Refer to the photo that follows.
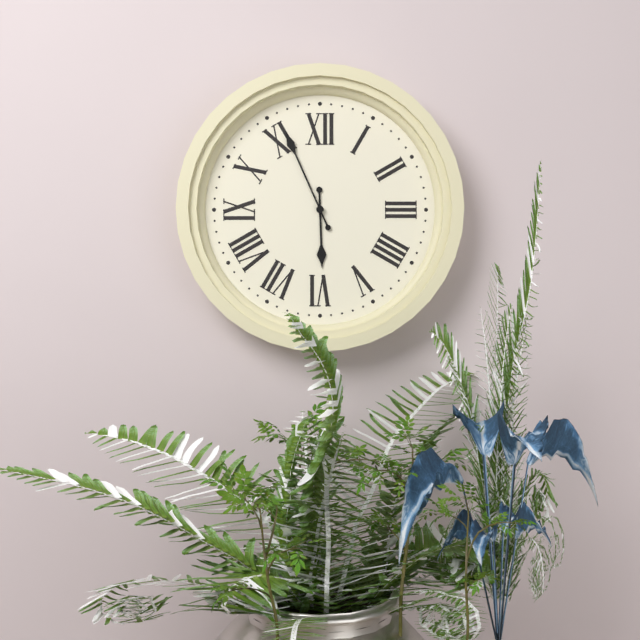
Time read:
5 h 56 min
